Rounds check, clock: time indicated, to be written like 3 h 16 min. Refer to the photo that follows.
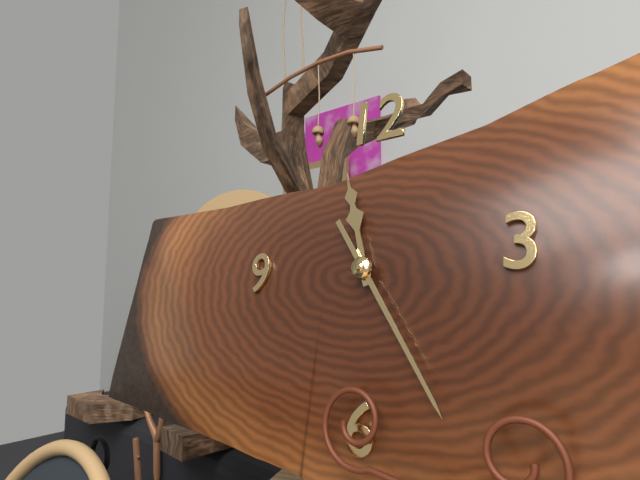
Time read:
11 h 24 min
